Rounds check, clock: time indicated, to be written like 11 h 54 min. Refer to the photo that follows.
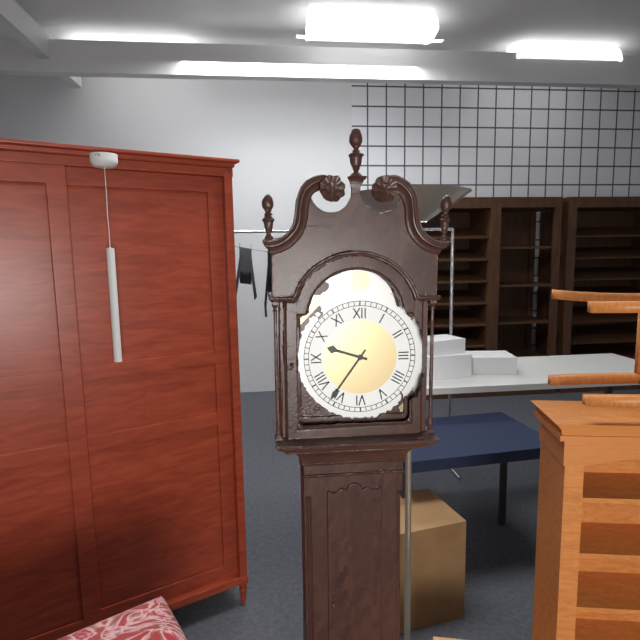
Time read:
9 h 36 min
